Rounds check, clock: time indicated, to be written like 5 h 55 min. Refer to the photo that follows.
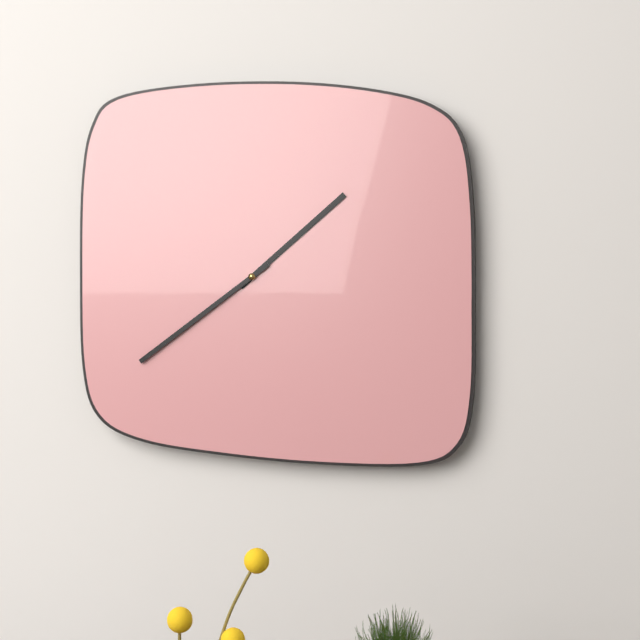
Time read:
1 h 39 min
